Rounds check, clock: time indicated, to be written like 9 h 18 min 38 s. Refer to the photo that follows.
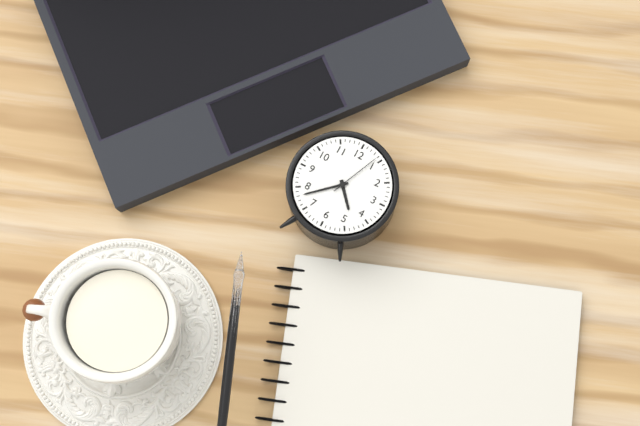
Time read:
4 h 38 min 04 s
